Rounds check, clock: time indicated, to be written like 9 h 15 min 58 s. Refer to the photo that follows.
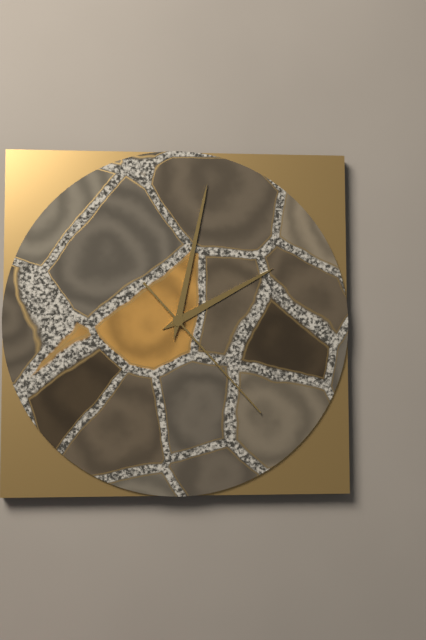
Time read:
2 h 02 min 23 s
